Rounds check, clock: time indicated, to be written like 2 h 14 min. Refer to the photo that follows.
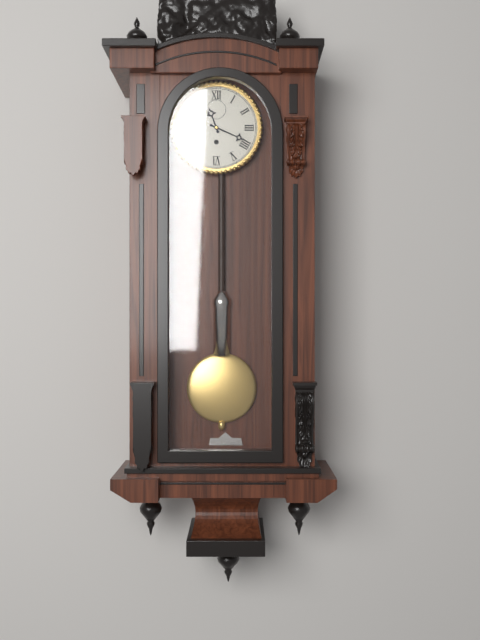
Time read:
11 h 19 min
